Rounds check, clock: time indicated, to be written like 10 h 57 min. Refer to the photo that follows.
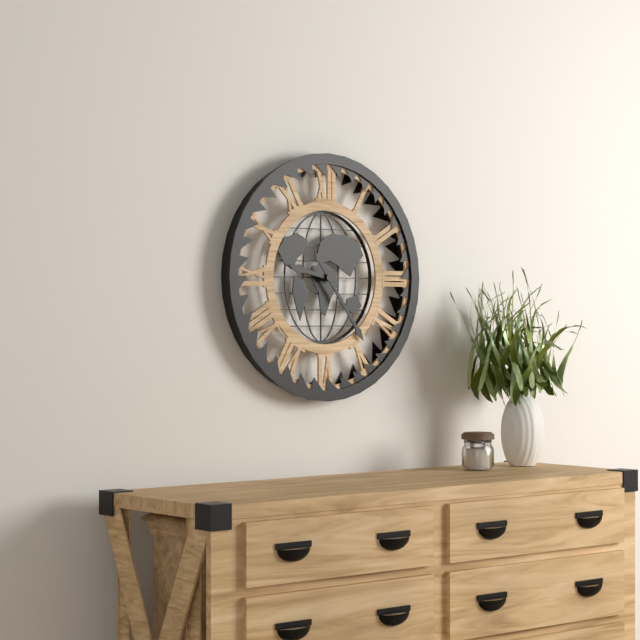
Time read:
9 h 24 min
